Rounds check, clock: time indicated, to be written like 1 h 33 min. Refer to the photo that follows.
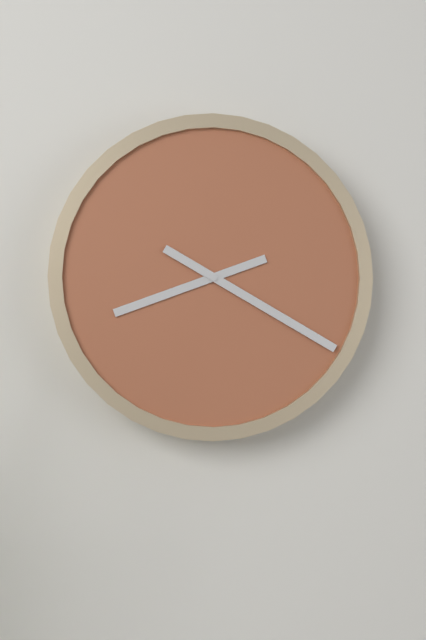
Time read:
8 h 20 min
